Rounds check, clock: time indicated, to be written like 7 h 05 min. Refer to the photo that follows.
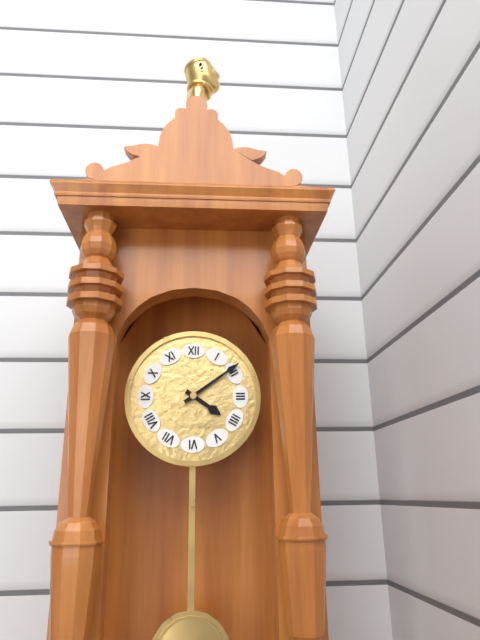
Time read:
4 h 09 min
